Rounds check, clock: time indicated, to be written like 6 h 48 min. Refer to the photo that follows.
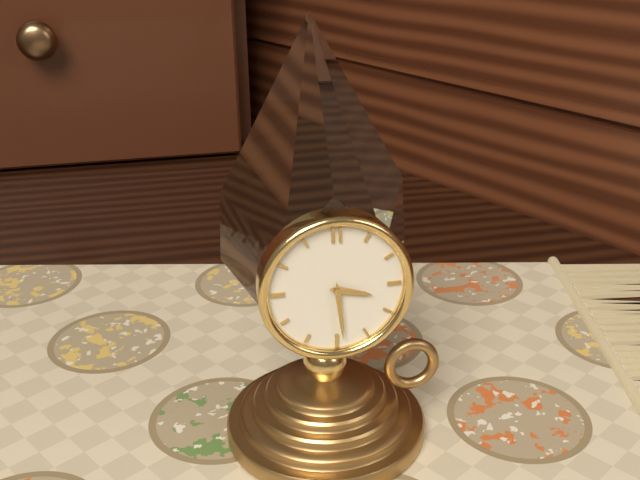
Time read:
3 h 29 min
